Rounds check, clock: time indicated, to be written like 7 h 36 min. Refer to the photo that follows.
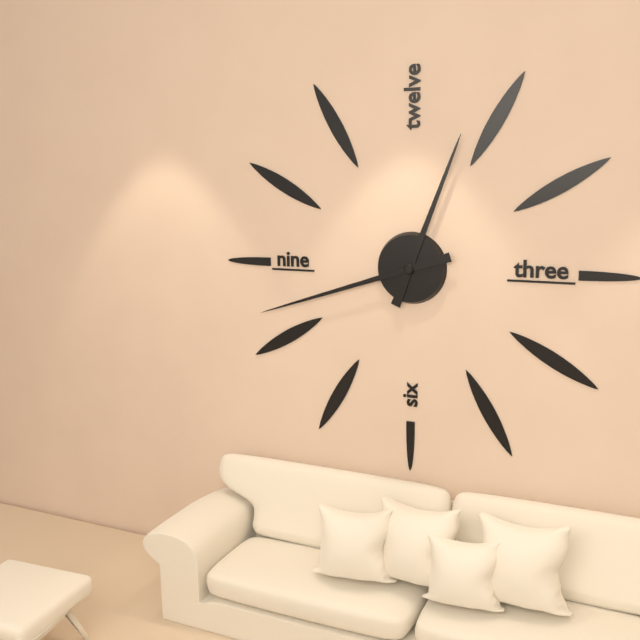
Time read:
12 h 42 min
